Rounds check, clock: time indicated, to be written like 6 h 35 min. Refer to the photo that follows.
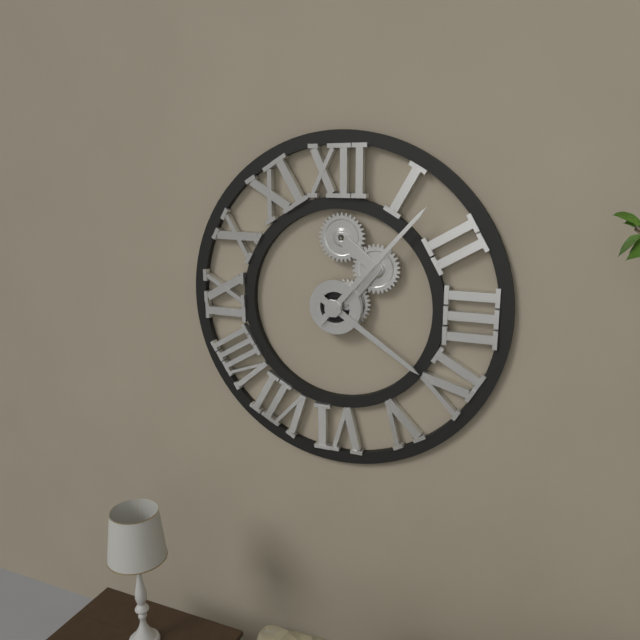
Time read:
4 h 07 min
